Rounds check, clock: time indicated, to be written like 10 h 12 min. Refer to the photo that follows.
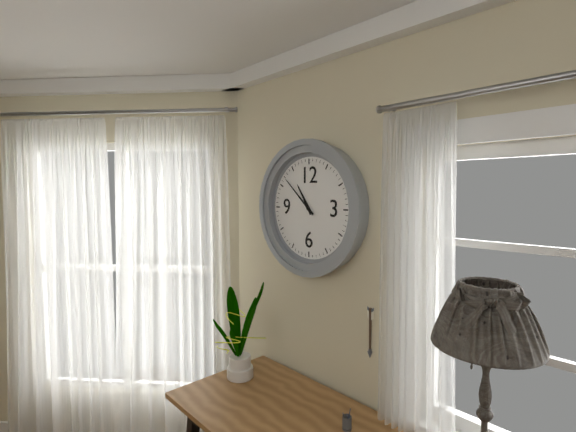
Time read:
10 h 52 min
